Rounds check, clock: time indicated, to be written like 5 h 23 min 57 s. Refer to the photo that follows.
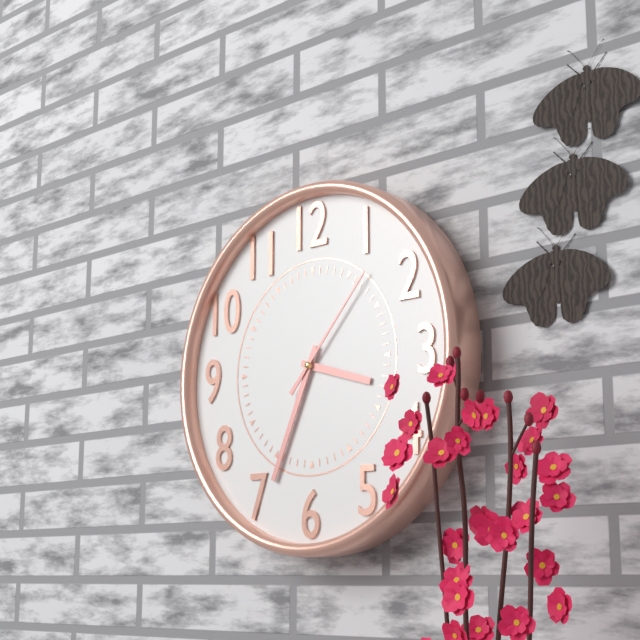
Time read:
3 h 34 min 07 s
